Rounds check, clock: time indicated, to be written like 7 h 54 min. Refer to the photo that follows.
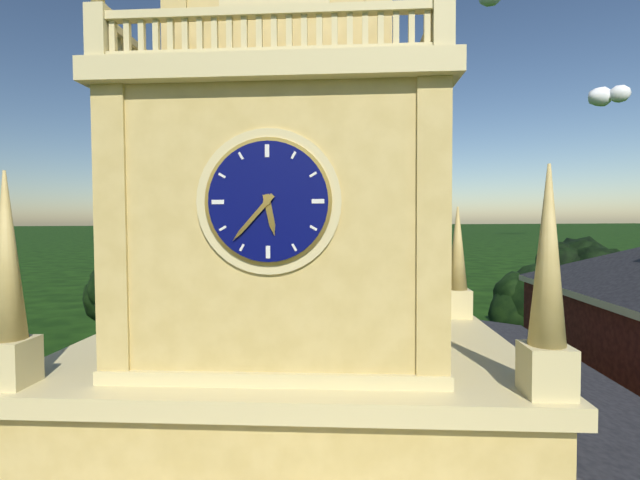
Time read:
5 h 37 min
